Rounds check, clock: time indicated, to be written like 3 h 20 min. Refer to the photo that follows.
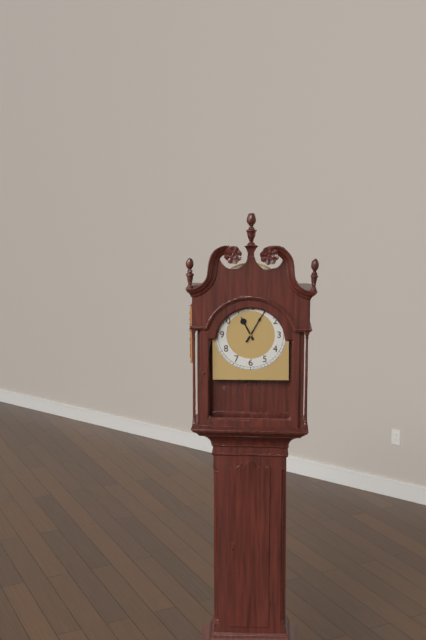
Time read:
11 h 05 min
